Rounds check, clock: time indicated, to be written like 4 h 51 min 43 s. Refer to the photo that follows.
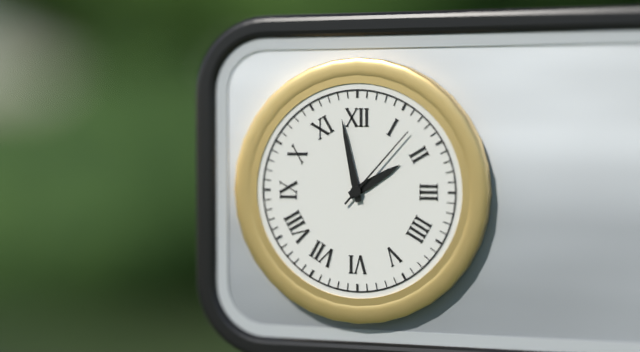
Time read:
1 h 58 min 07 s
